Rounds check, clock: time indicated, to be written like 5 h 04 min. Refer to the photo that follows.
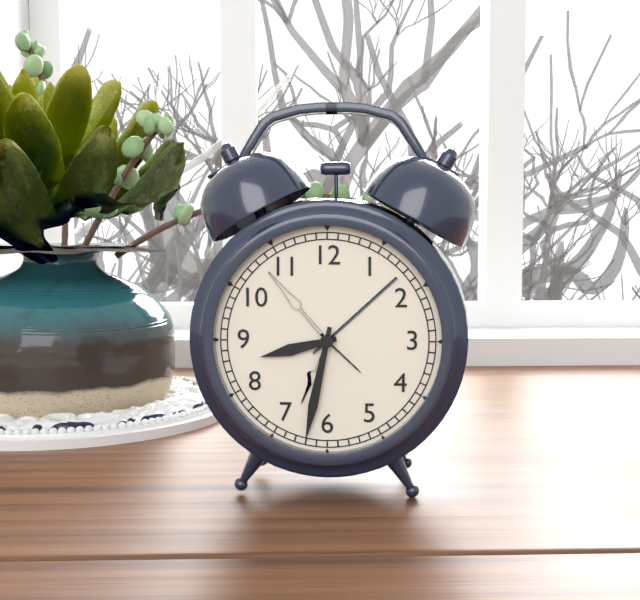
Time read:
8 h 32 min
